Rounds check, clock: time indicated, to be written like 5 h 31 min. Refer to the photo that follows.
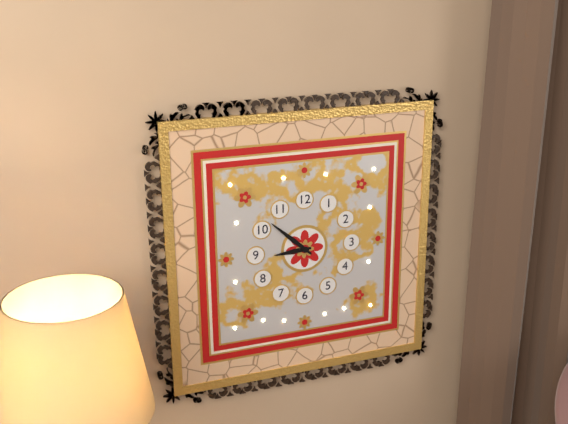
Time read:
8 h 52 min
